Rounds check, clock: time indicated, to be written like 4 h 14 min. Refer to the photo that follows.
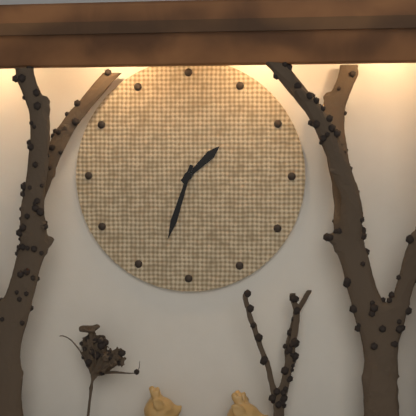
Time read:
1 h 33 min
